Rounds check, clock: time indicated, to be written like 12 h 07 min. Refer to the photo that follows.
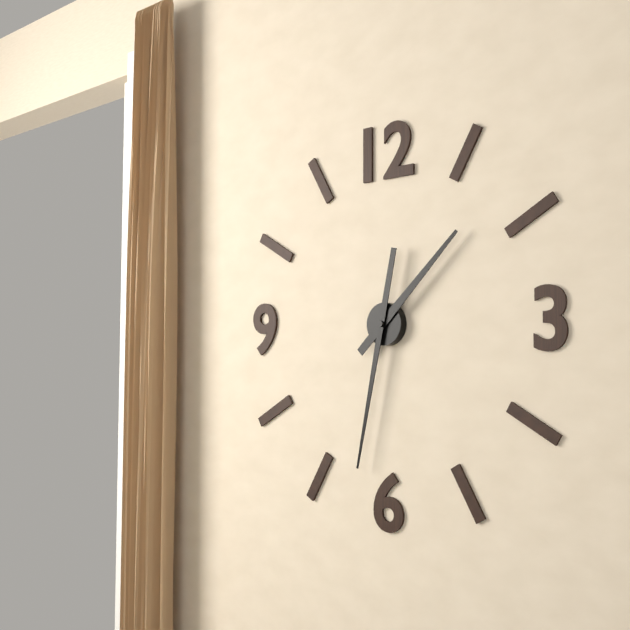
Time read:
1 h 32 min
